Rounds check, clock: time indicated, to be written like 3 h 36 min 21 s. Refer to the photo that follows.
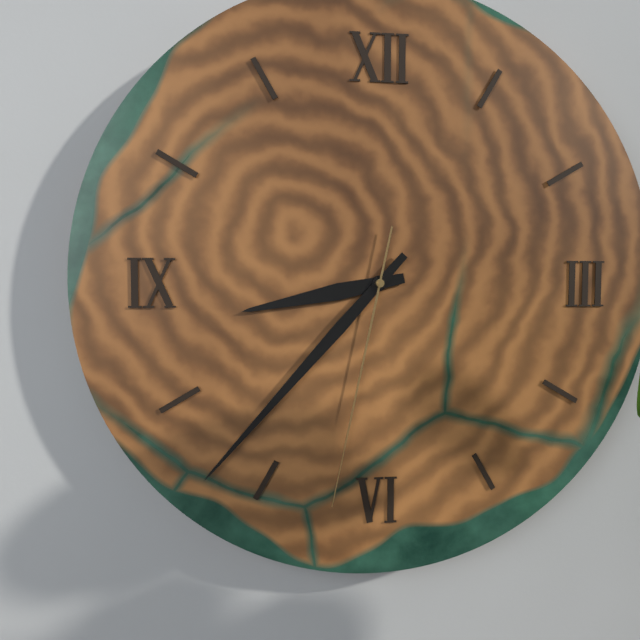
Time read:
8 h 37 min 32 s
